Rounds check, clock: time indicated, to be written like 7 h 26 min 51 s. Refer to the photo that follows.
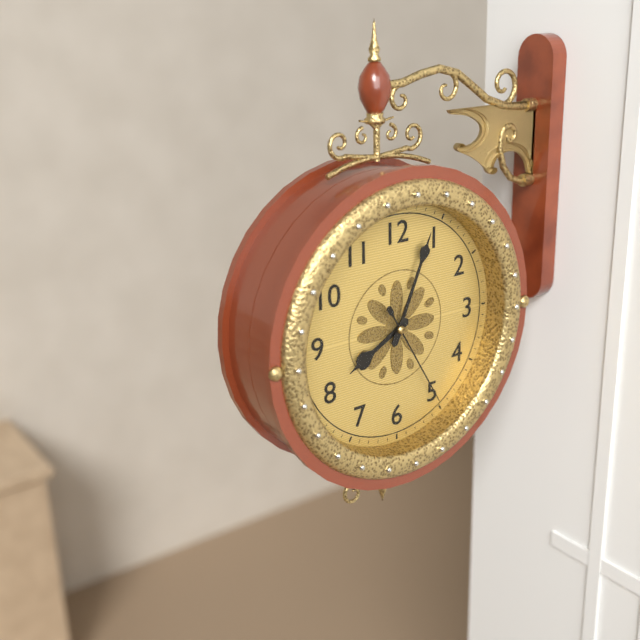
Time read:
8 h 04 min 25 s
